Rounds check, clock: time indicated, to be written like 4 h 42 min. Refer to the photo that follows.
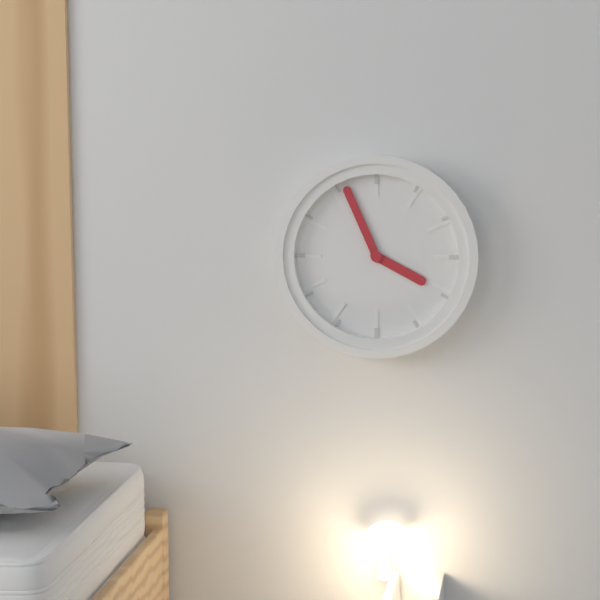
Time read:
3 h 56 min
